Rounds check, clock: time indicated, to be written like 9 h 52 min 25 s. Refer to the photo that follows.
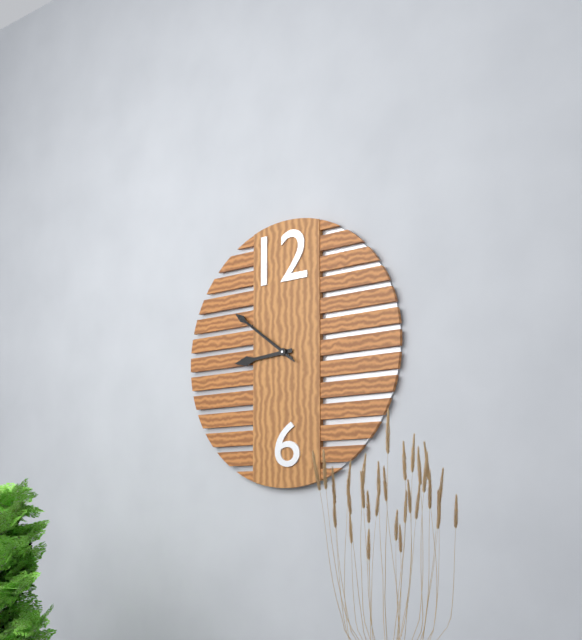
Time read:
8 h 51 min 51 s
